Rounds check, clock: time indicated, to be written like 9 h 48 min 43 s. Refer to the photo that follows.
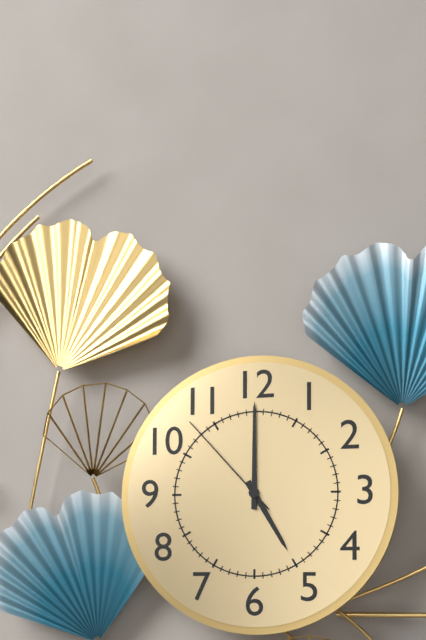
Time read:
5 h 00 min 53 s
